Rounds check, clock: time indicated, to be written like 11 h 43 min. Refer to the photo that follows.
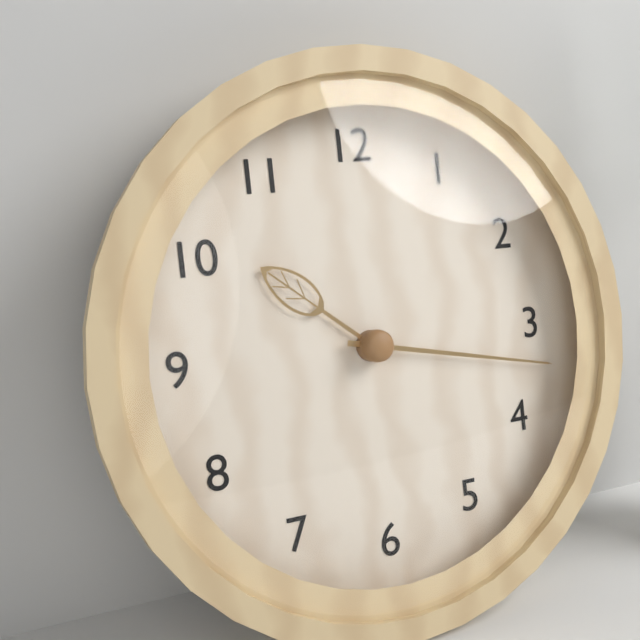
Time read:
10 h 17 min
